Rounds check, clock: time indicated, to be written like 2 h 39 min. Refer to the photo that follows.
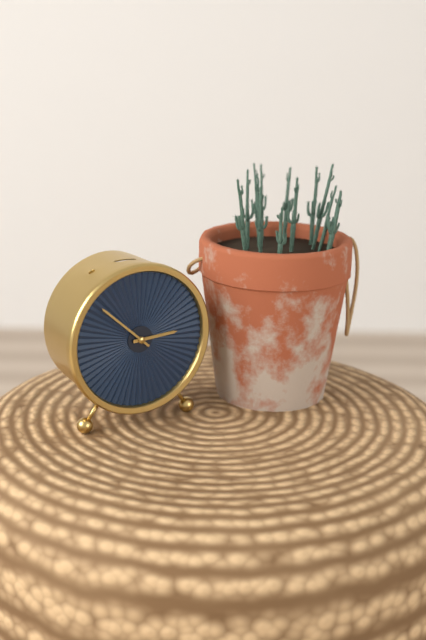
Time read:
2 h 52 min
